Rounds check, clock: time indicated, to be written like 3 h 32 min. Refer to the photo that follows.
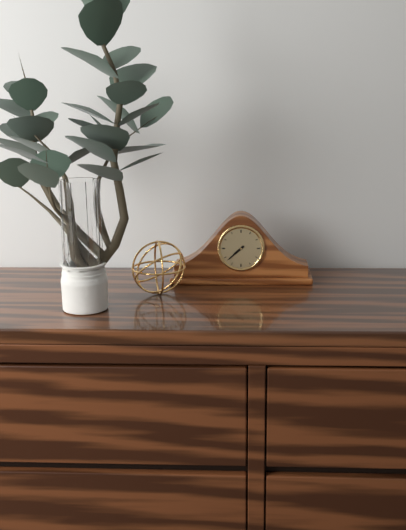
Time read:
7 h 38 min
